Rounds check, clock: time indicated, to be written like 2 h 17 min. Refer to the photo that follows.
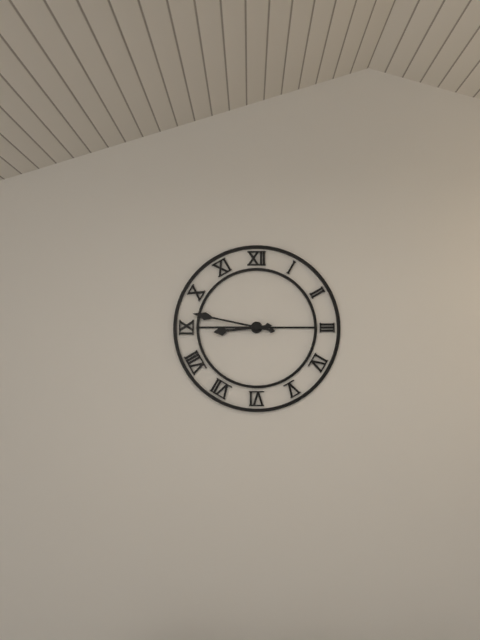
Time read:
8 h 47 min
